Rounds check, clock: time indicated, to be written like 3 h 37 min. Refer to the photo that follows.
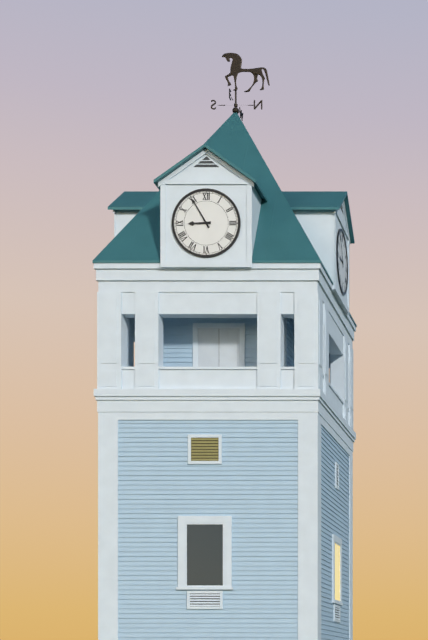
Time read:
8 h 55 min
